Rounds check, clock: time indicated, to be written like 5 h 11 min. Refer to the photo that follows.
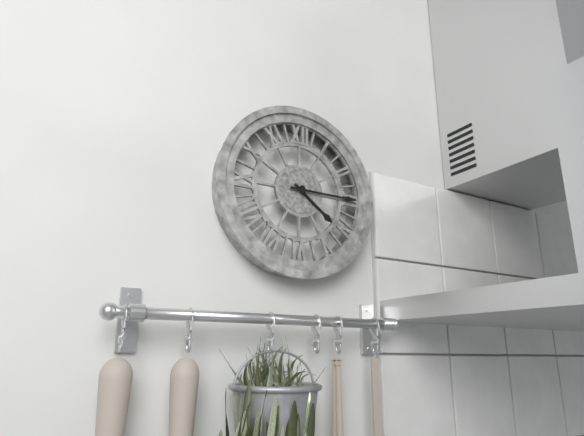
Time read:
4 h 15 min
